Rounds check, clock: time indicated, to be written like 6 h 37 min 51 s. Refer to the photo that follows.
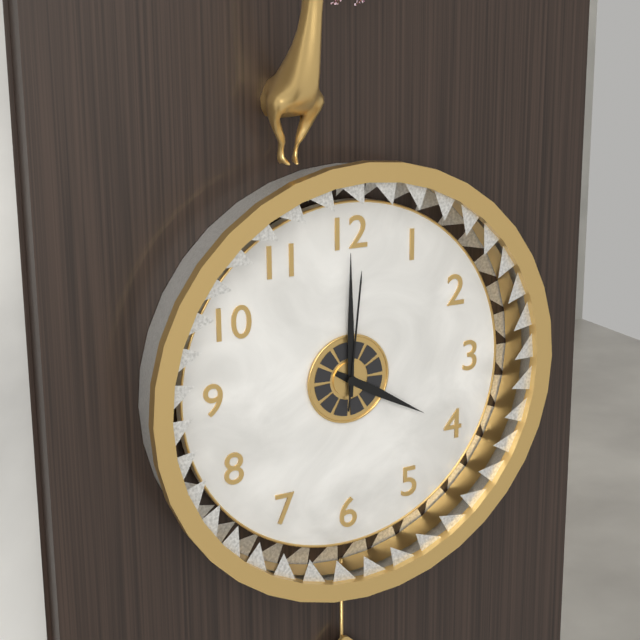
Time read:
4 h 00 min 01 s
